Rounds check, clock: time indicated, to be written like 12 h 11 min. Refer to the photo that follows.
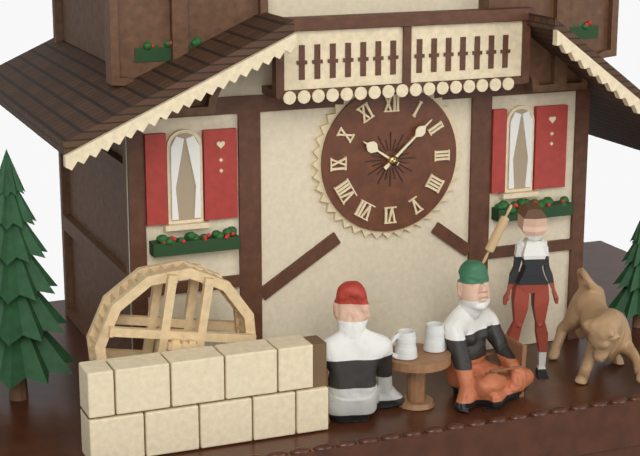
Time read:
10 h 08 min
